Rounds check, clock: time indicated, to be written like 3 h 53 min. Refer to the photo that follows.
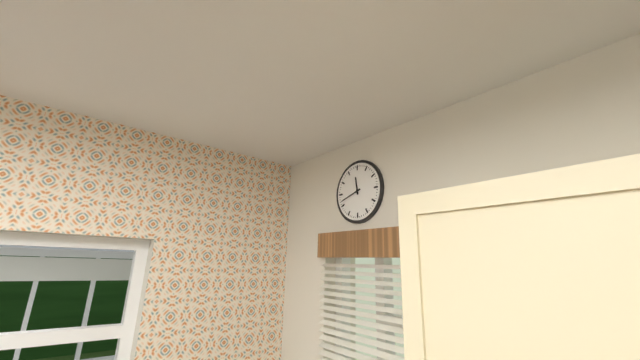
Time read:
11 h 42 min
